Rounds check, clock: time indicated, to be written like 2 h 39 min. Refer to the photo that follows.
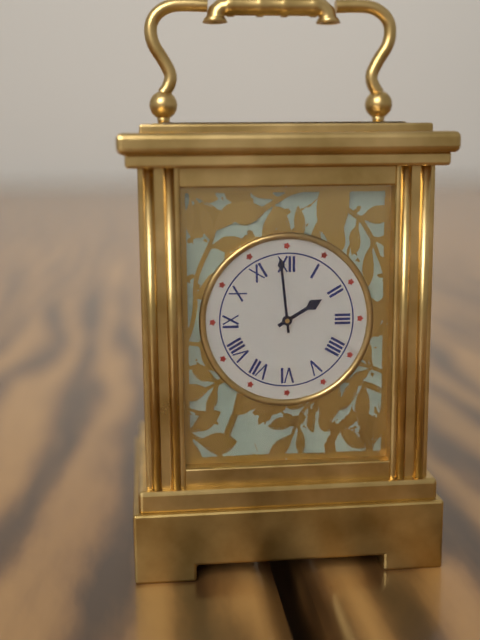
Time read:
1 h 59 min
